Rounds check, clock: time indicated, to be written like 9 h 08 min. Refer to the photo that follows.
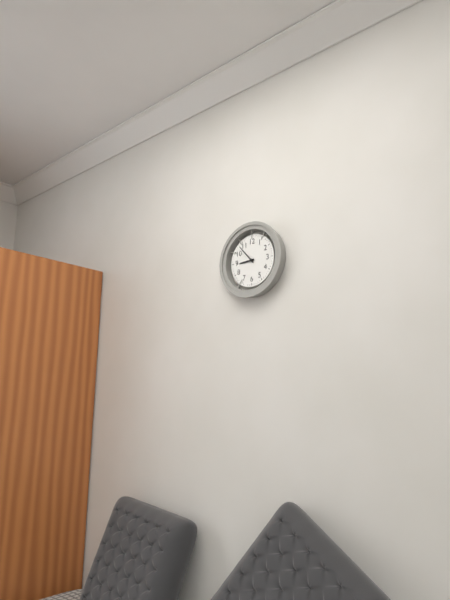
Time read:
8 h 53 min
